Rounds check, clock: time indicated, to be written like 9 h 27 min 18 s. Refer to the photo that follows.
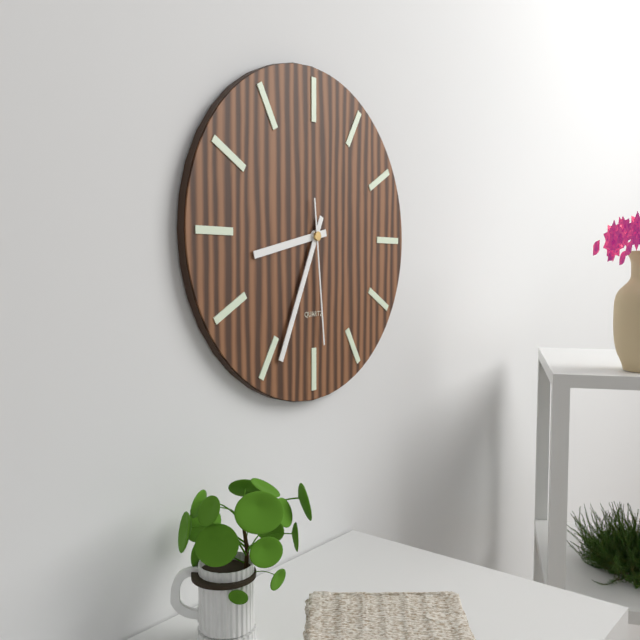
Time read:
8 h 34 min 29 s
